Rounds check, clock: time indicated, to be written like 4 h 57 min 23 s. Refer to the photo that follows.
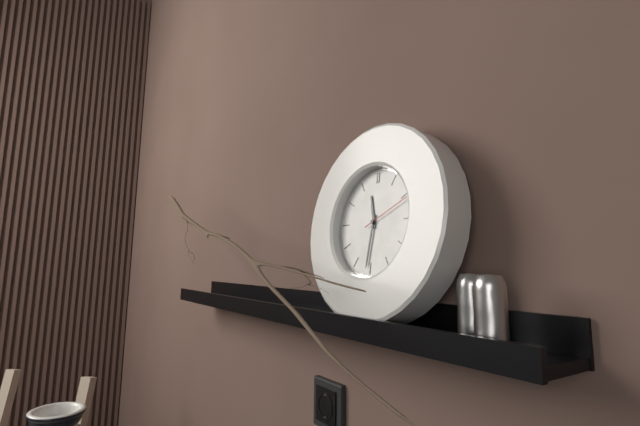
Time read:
11 h 31 min 11 s
